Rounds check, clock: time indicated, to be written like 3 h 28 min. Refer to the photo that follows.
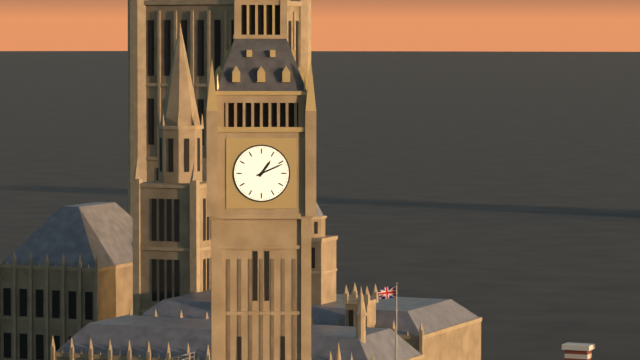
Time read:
1 h 11 min
